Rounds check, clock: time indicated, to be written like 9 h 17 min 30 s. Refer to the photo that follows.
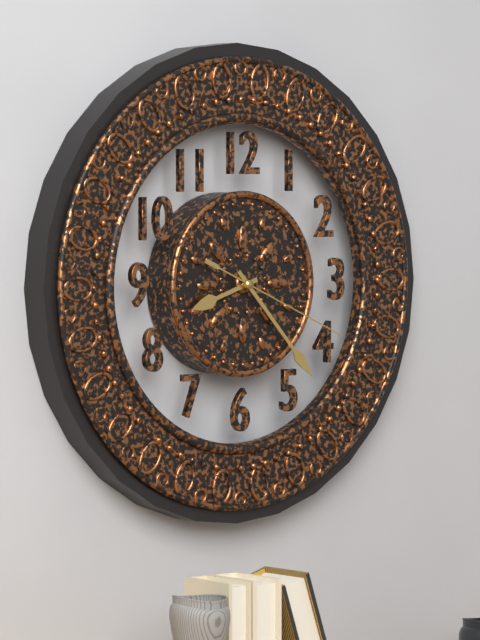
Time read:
8 h 23 min 19 s
